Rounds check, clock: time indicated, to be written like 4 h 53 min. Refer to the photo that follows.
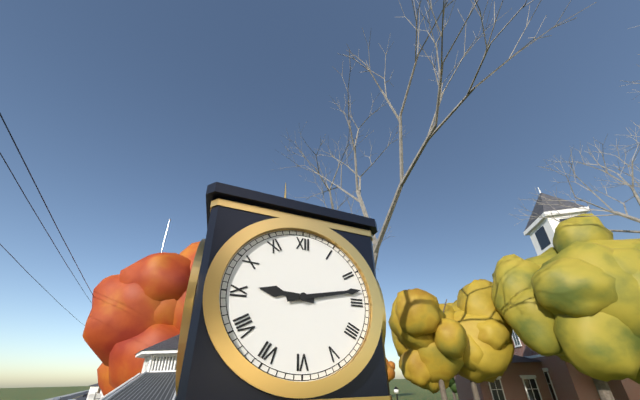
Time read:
9 h 13 min
